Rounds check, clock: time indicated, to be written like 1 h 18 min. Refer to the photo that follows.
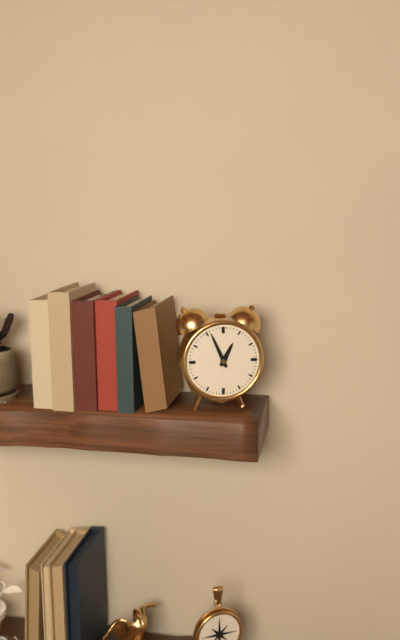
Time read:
12 h 56 min
